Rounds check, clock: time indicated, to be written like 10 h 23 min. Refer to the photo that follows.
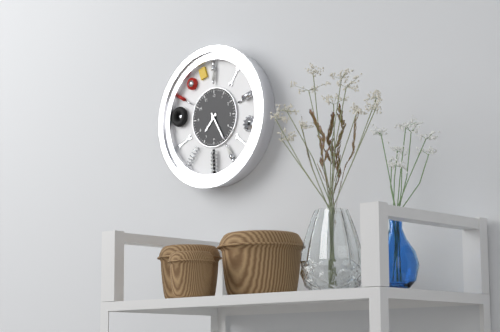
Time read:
7 h 25 min
